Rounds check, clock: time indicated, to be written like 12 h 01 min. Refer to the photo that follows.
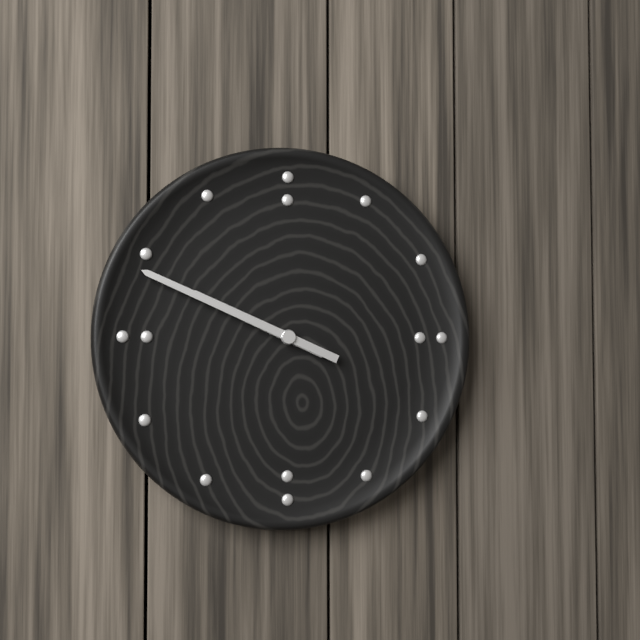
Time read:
9 h 49 min
